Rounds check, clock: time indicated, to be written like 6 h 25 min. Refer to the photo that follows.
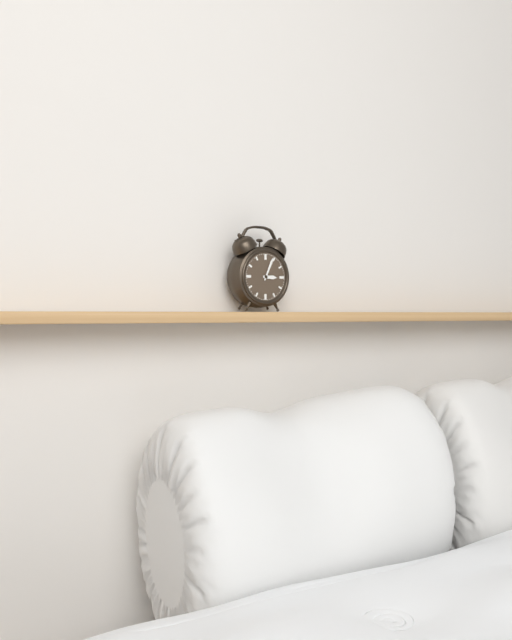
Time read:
3 h 04 min
